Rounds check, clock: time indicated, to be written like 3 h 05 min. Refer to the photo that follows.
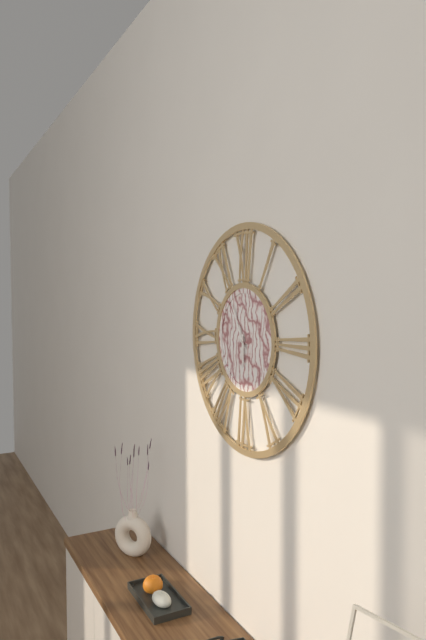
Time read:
5 h 55 min
